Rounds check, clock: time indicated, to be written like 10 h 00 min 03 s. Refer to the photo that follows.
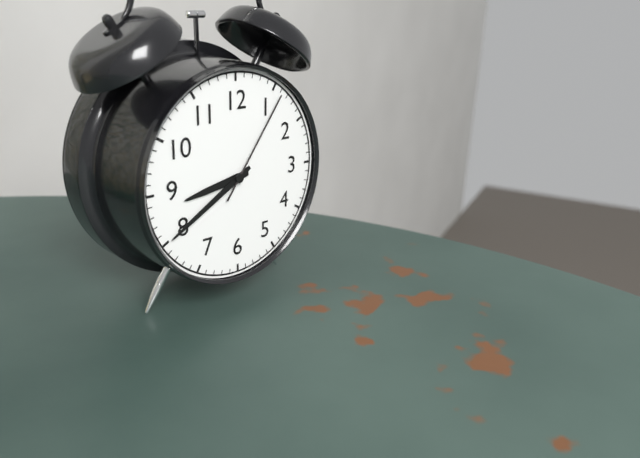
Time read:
8 h 40 min 06 s
